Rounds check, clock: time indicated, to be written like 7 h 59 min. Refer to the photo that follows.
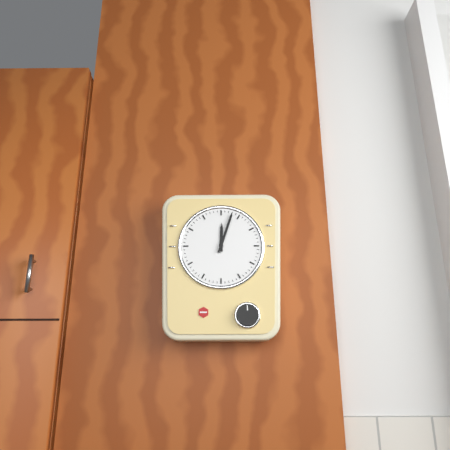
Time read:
12 h 03 min
